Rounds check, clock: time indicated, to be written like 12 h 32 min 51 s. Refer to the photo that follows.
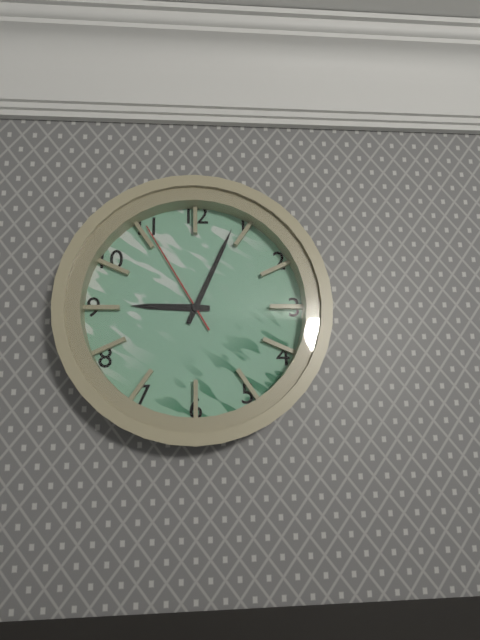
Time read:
9 h 04 min 55 s
